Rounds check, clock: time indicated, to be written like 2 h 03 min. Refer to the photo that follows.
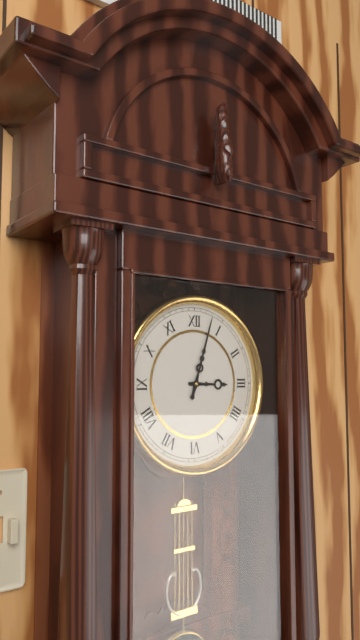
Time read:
3 h 03 min
